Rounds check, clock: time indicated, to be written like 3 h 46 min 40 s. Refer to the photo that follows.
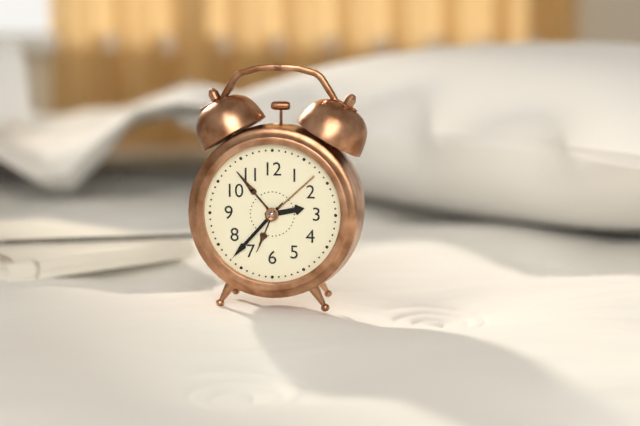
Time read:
2 h 37 min 37 s
